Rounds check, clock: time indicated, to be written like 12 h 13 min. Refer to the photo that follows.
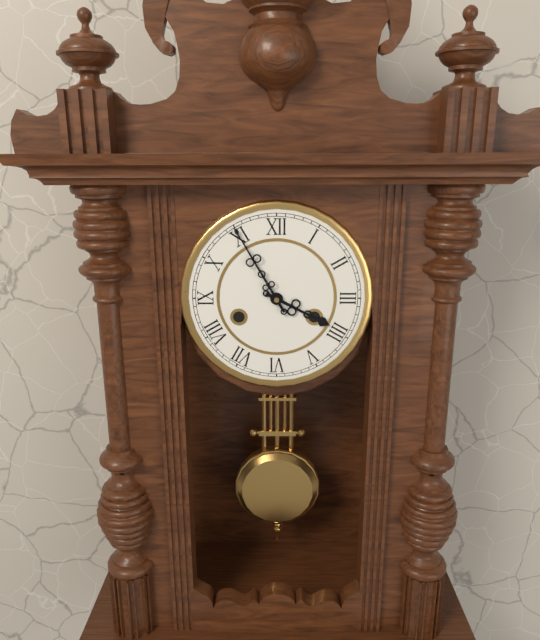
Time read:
3 h 55 min
